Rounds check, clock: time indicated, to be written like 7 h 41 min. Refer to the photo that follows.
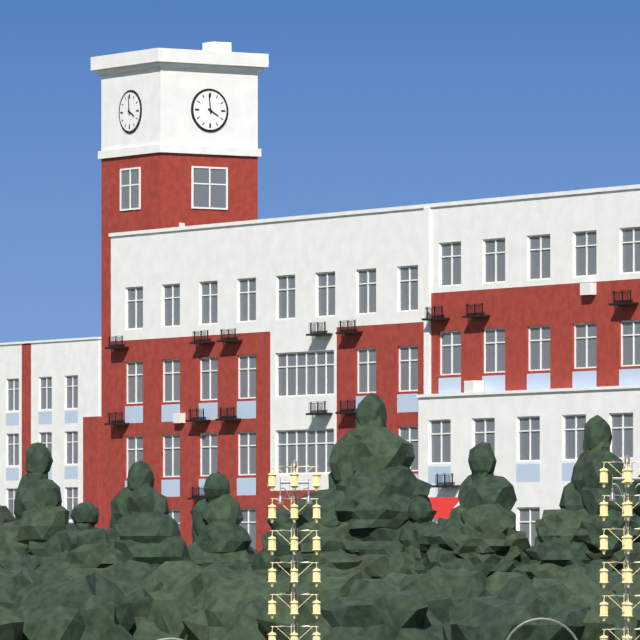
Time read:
3 h 59 min
